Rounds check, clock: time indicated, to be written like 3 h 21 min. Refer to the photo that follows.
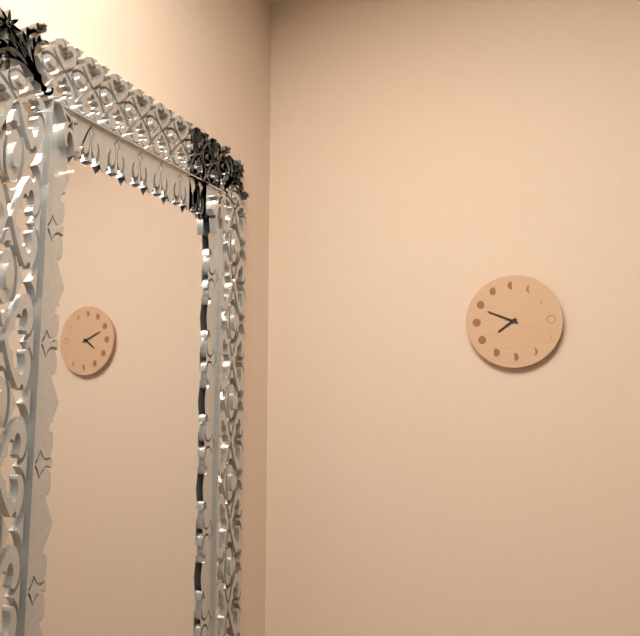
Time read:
7 h 49 min
